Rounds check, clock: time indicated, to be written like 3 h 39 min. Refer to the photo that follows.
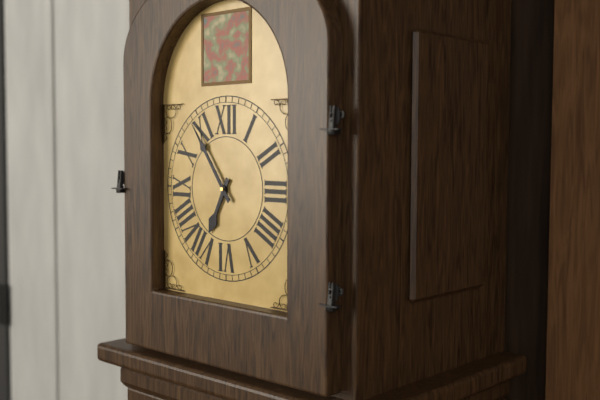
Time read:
6 h 54 min
